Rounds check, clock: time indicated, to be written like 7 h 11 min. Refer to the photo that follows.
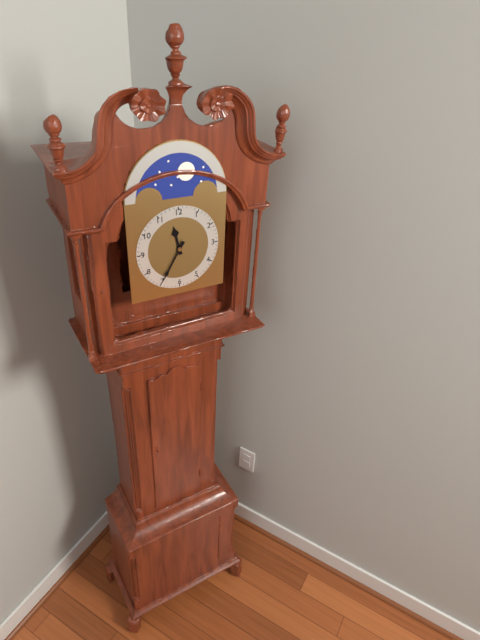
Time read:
11 h 35 min
